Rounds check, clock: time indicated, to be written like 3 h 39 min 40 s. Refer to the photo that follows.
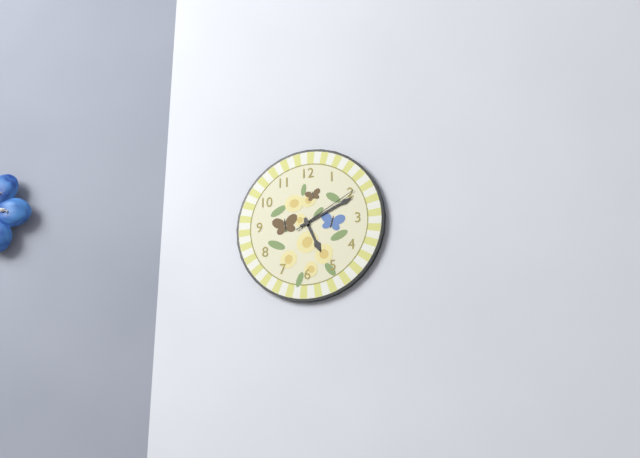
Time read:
5 h 11 min 10 s
